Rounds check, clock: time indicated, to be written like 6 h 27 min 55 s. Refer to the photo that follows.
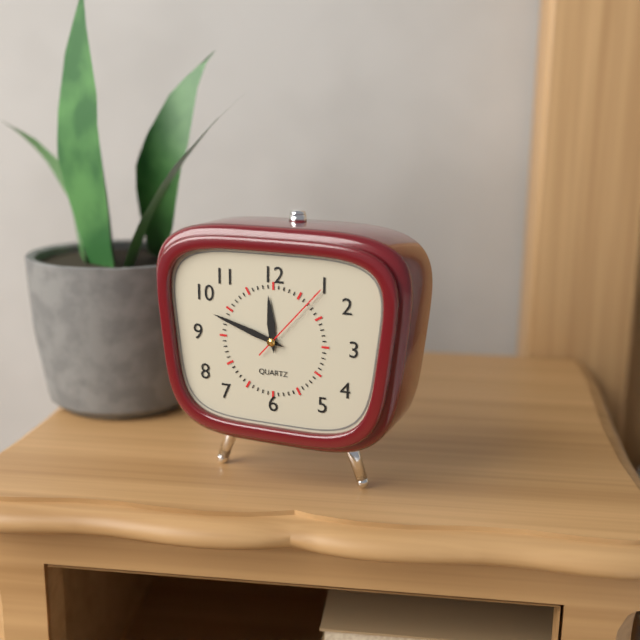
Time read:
11 h 48 min 07 s
